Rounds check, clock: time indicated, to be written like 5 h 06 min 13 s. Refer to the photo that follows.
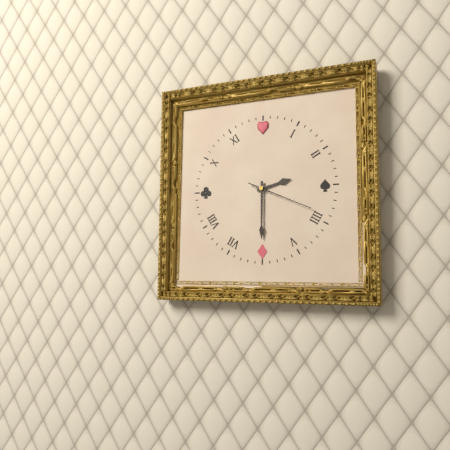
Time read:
2 h 30 min 19 s
